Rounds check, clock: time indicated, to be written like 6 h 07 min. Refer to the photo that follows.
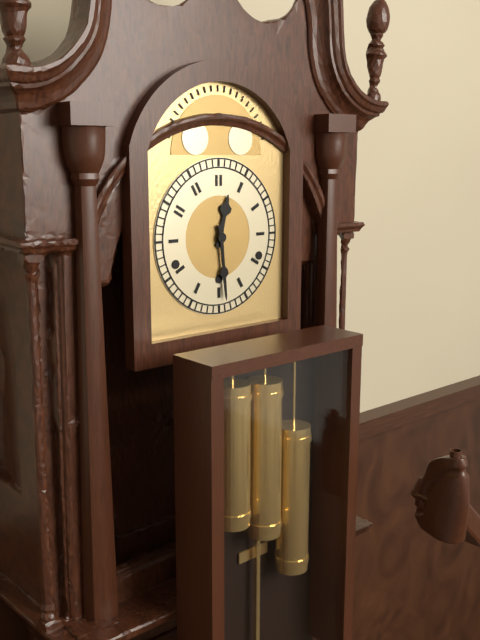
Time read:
12 h 29 min
